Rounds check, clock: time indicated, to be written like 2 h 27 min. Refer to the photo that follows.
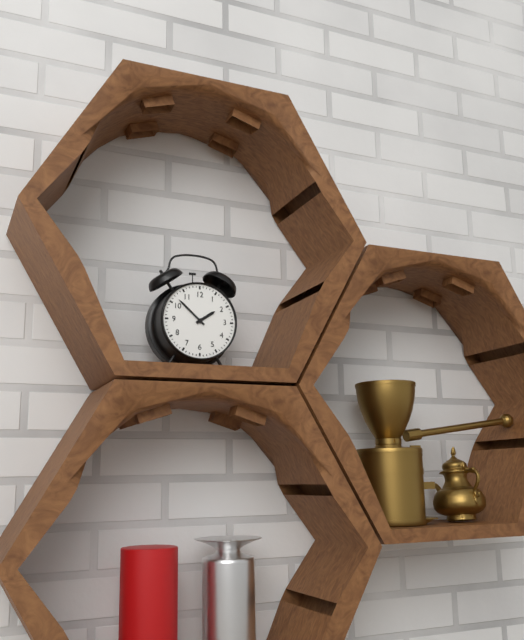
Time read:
1 h 52 min
